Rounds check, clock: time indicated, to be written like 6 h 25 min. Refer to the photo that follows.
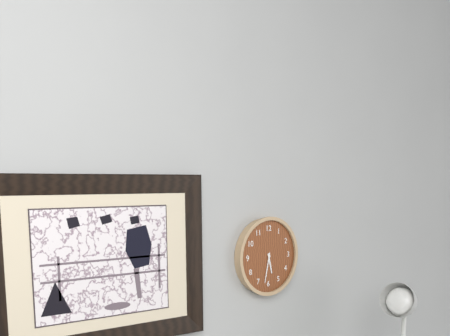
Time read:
5 h 32 min
